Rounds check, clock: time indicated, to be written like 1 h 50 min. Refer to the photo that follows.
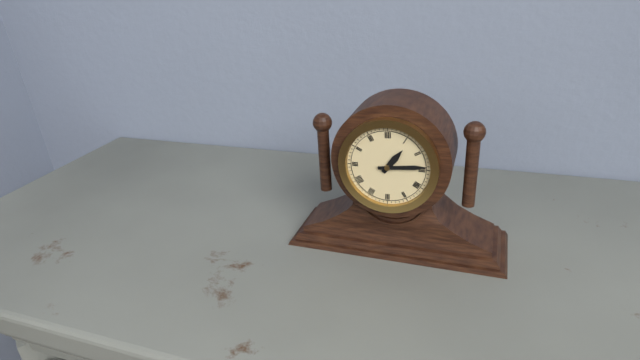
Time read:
1 h 14 min
